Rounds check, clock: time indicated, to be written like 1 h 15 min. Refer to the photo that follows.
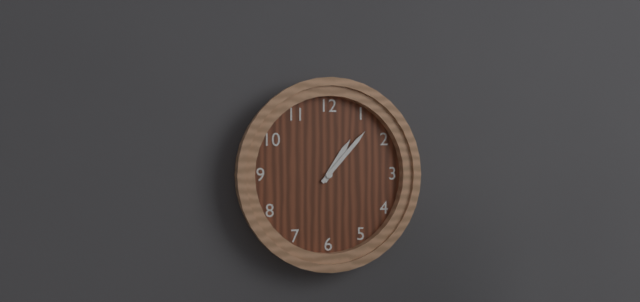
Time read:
1 h 07 min
